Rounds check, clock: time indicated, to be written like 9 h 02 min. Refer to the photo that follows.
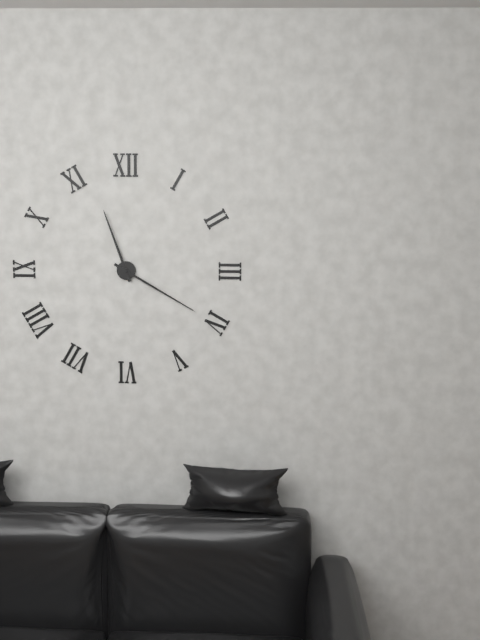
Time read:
11 h 20 min
